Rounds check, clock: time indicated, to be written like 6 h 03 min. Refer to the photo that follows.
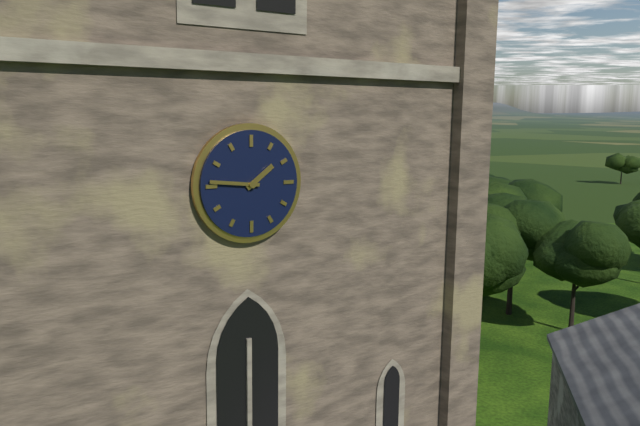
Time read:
1 h 46 min
